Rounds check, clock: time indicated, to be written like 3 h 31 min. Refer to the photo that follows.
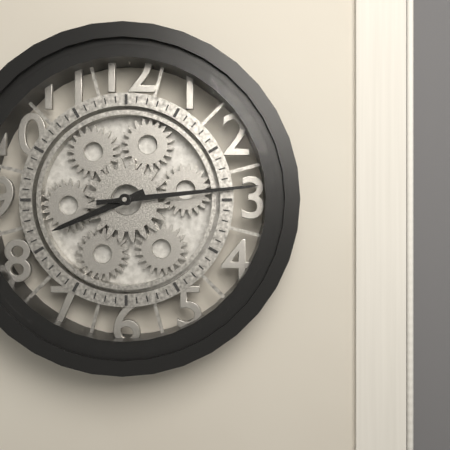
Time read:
8 h 14 min
